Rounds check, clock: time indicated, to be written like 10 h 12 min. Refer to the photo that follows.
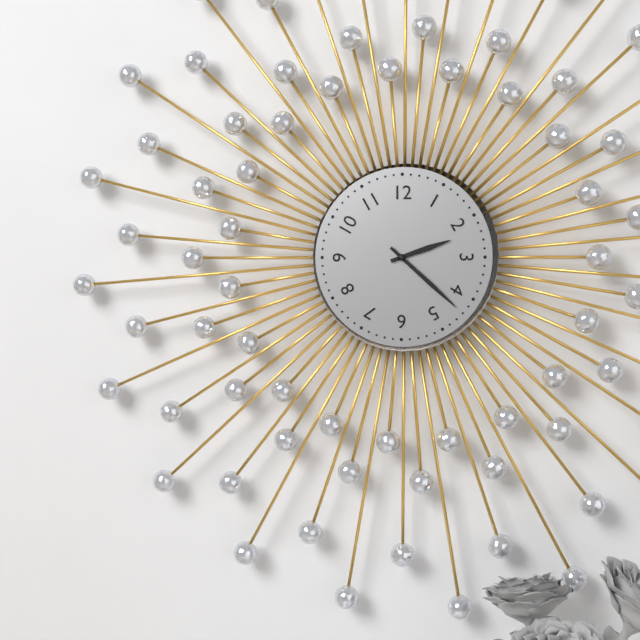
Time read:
2 h 22 min
